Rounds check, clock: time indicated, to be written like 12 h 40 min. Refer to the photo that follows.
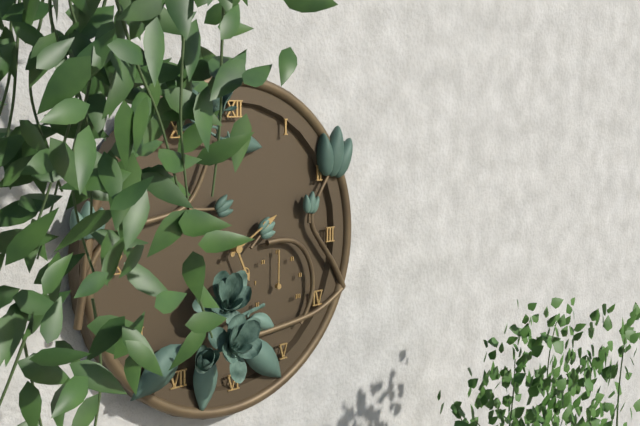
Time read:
5 h 10 min
